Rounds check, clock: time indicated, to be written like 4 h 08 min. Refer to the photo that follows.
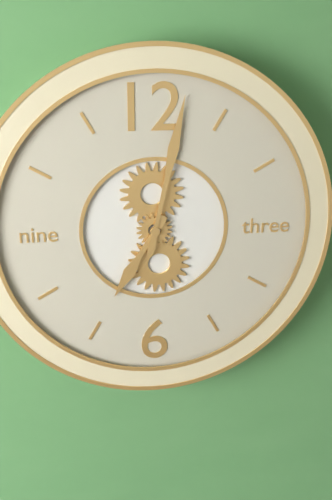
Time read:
7 h 02 min
